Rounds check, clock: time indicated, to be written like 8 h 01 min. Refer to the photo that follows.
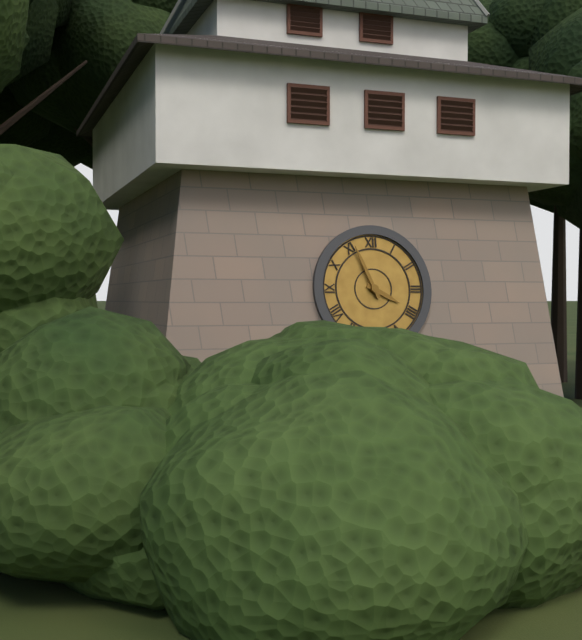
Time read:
3 h 56 min
